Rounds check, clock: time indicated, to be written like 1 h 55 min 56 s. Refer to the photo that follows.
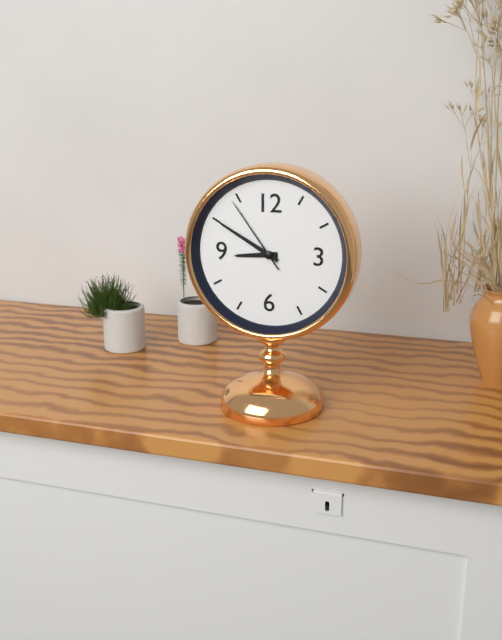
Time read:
8 h 50 min 54 s
